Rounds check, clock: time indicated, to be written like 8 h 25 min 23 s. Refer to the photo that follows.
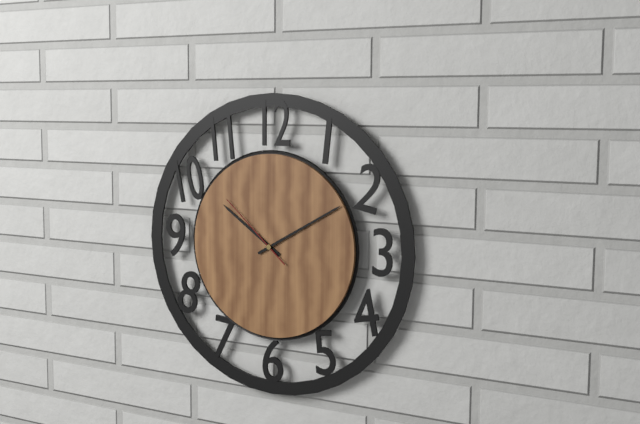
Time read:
10 h 10 min 52 s
